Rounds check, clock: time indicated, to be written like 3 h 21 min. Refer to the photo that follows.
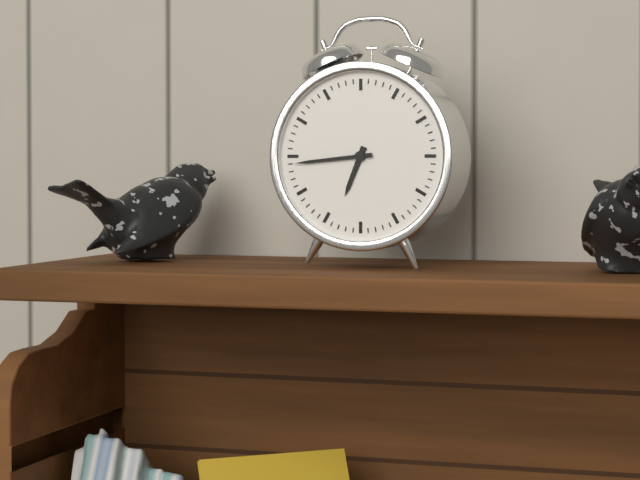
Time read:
6 h 44 min
